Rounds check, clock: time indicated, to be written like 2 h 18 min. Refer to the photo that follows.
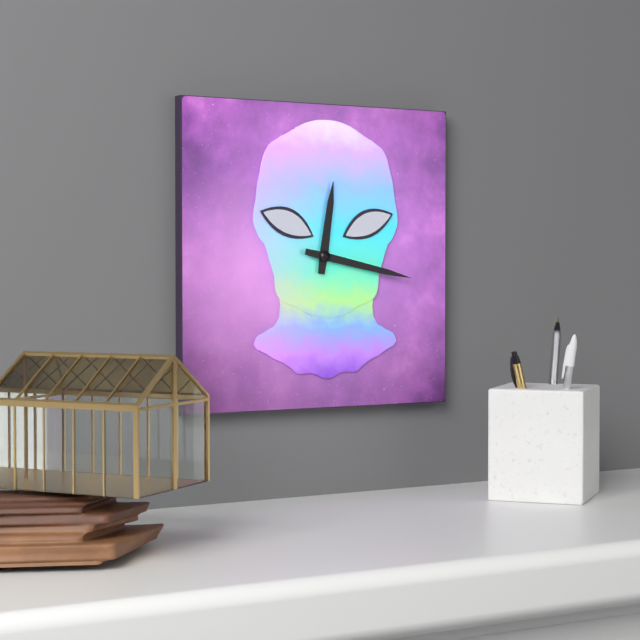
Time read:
12 h 17 min
